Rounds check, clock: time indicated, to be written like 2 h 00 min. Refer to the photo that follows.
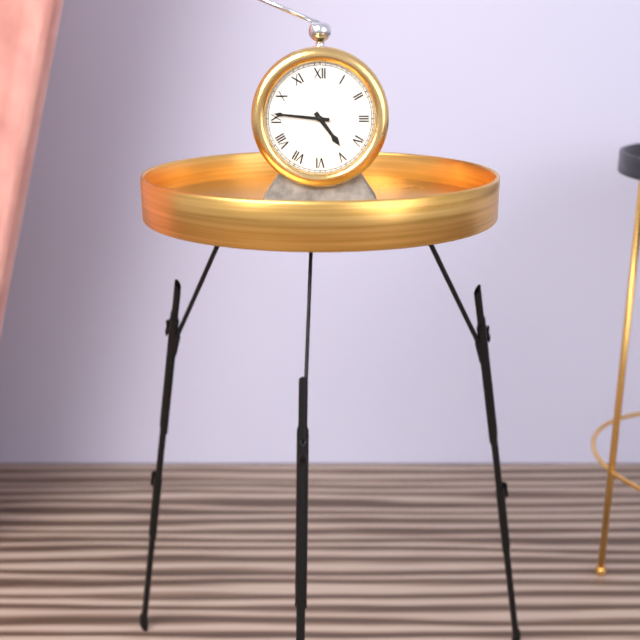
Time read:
4 h 46 min
